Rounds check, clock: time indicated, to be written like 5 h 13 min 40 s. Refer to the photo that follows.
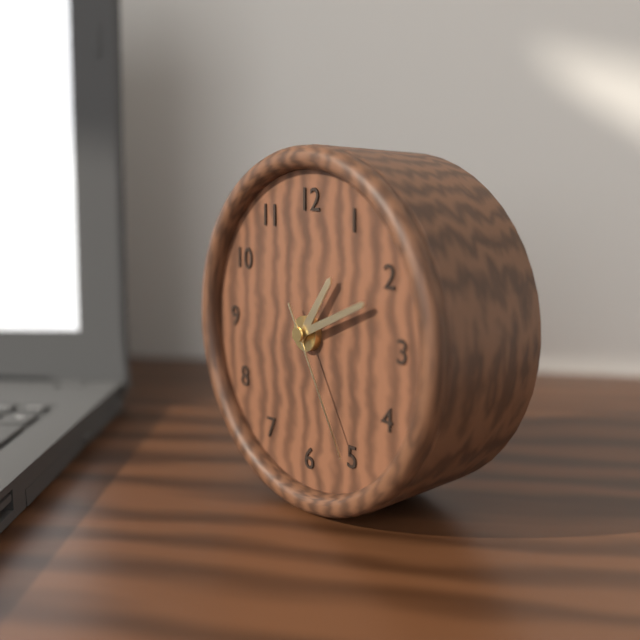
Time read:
1 h 11 min 25 s
